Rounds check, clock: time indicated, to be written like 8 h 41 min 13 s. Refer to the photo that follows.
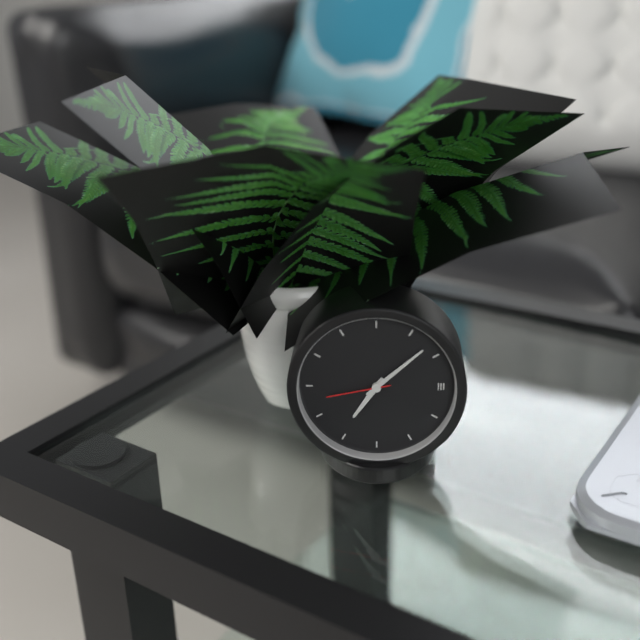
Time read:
7 h 08 min 43 s
